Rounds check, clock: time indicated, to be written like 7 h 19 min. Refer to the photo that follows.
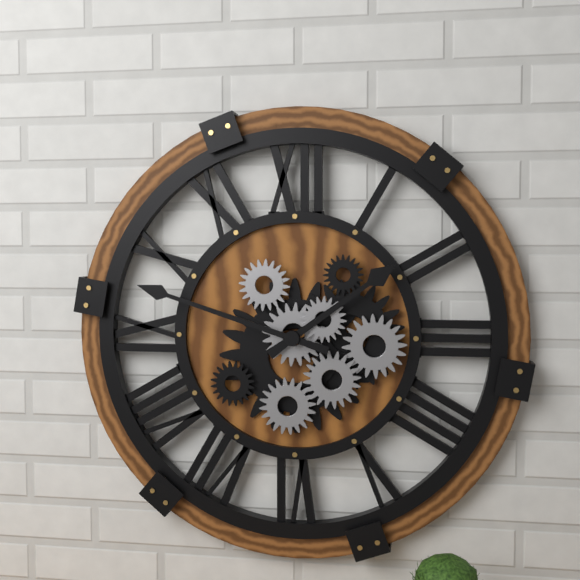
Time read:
1 h 48 min
